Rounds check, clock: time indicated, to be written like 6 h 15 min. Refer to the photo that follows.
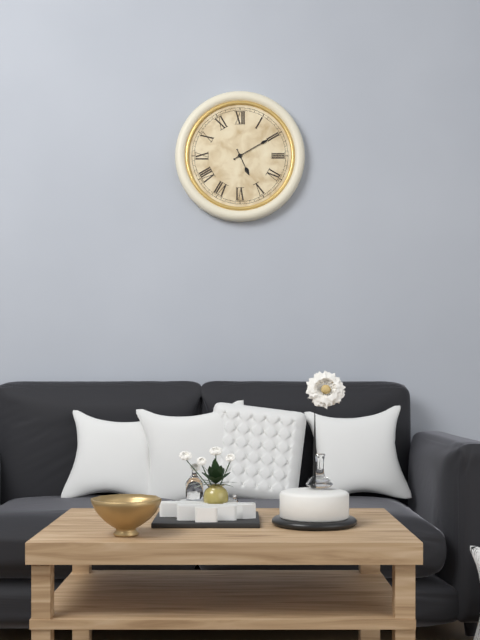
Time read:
5 h 10 min
